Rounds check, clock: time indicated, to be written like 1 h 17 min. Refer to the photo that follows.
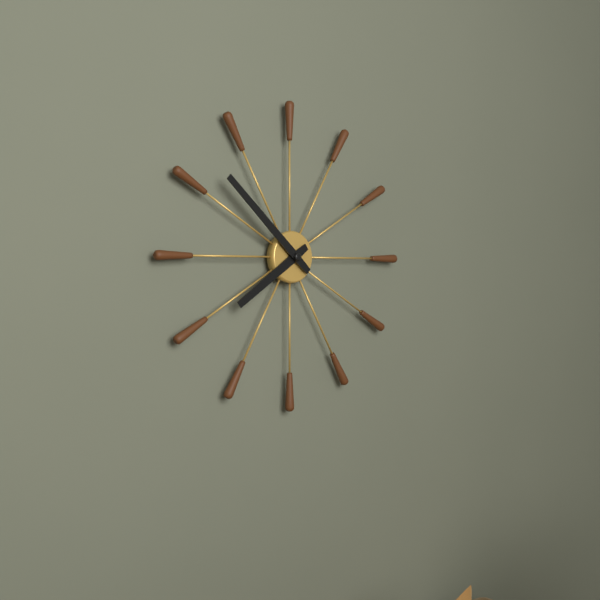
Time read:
7 h 52 min
